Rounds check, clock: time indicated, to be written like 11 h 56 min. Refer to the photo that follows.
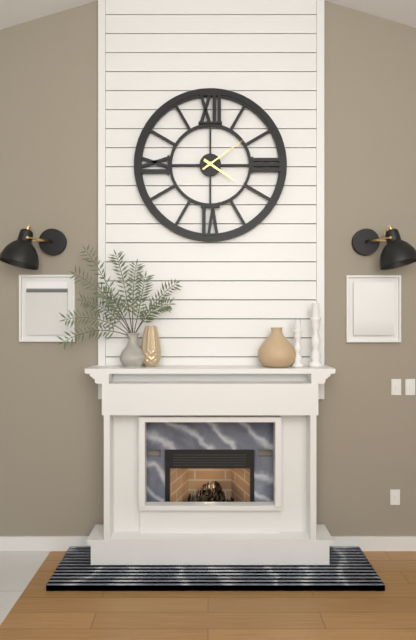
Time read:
4 h 09 min
